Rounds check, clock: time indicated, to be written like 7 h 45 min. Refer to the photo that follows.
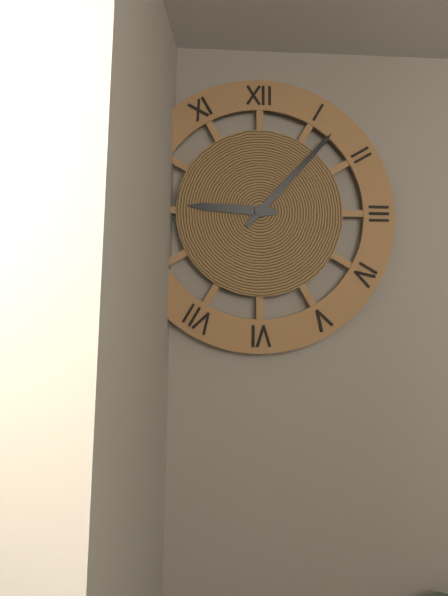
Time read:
9 h 07 min
